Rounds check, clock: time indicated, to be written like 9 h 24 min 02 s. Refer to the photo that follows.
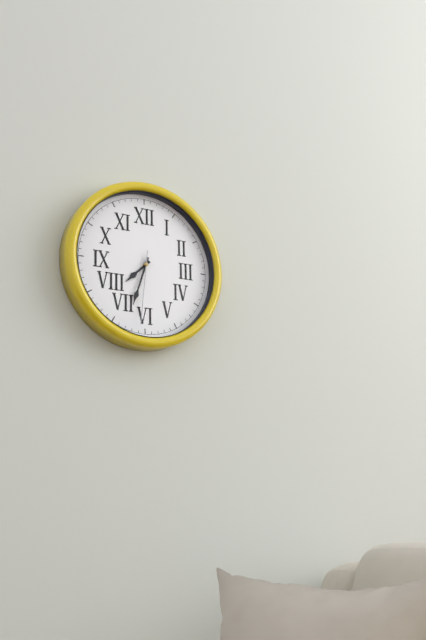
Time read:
7 h 33 min 31 s
